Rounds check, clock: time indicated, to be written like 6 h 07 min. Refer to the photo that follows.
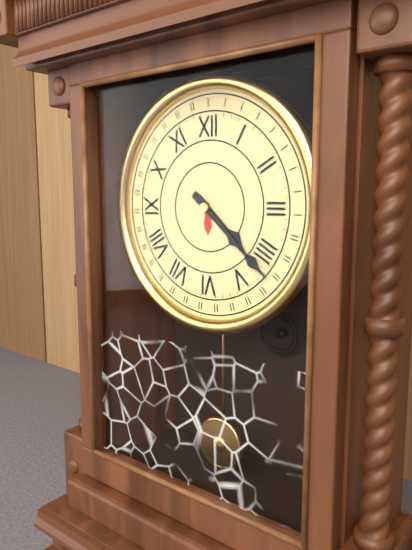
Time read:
4 h 22 min
